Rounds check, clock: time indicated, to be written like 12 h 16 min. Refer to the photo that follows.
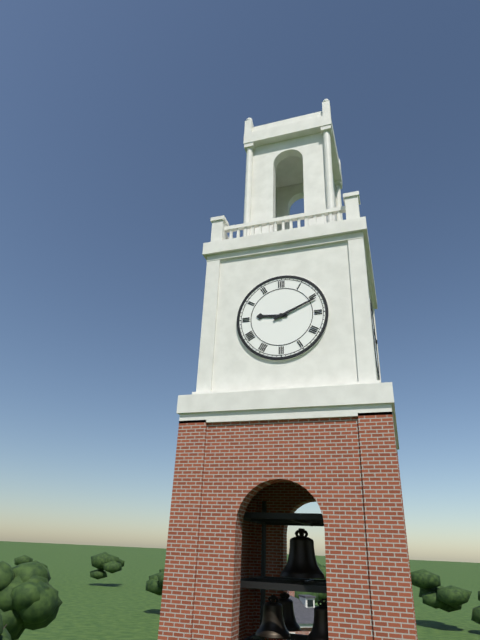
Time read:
9 h 11 min
